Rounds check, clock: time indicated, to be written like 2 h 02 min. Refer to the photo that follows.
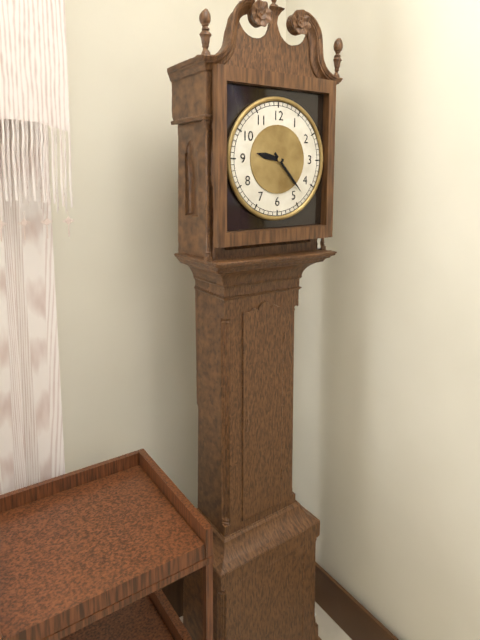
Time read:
9 h 23 min
